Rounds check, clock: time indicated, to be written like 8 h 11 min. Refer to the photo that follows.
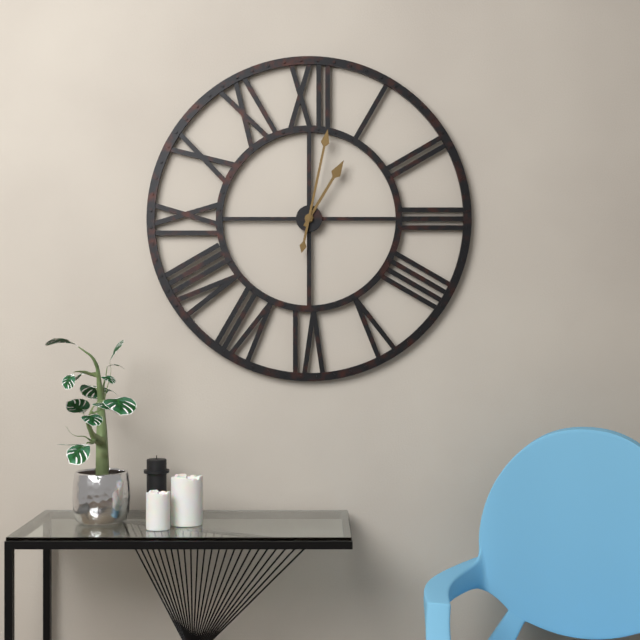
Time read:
1 h 02 min
